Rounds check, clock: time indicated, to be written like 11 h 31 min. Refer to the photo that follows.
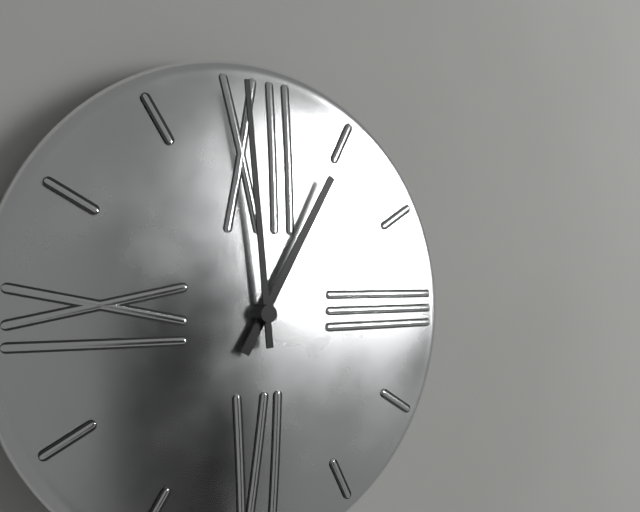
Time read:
12 h 59 min
